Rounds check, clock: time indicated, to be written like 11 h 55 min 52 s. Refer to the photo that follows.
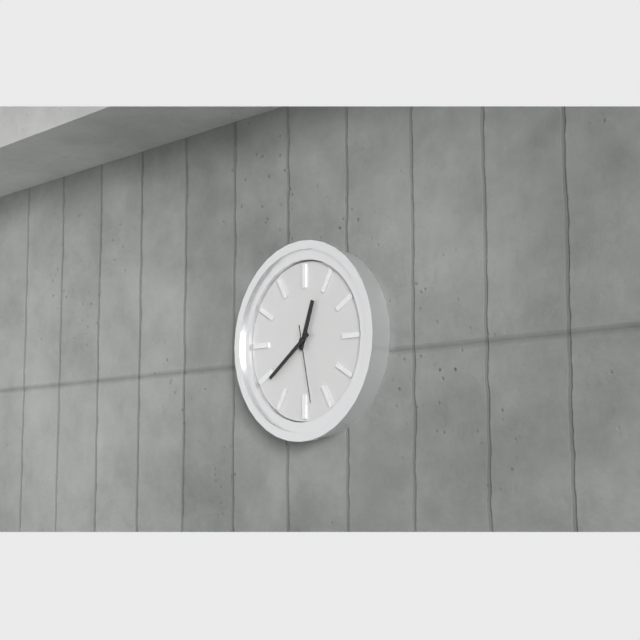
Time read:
12 h 39 min 28 s
